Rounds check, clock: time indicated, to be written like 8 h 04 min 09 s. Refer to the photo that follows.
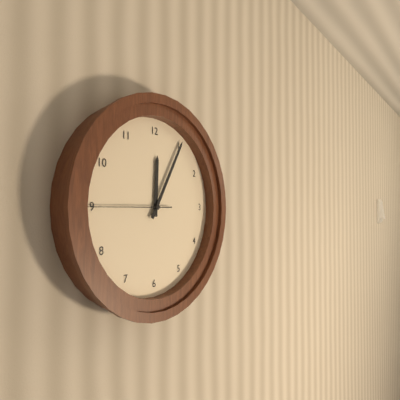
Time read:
12 h 05 min 45 s
